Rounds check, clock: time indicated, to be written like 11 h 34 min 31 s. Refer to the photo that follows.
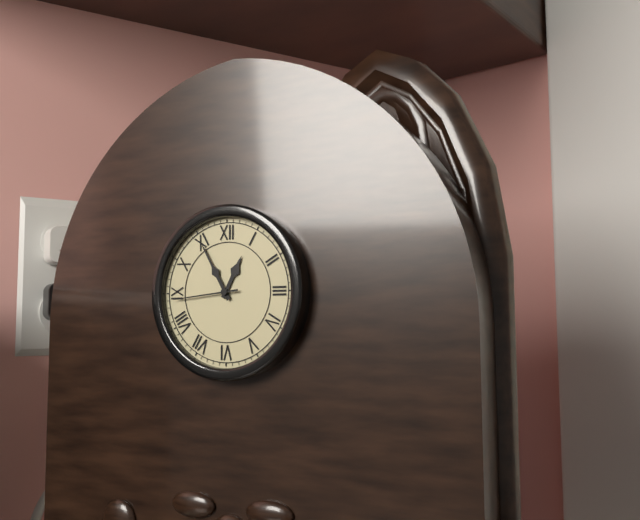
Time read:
12 h 55 min 44 s
